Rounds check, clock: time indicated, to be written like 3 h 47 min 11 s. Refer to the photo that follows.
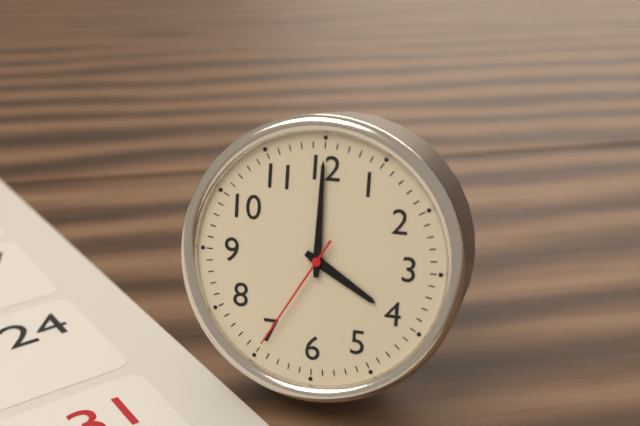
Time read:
4 h 00 min 35 s
